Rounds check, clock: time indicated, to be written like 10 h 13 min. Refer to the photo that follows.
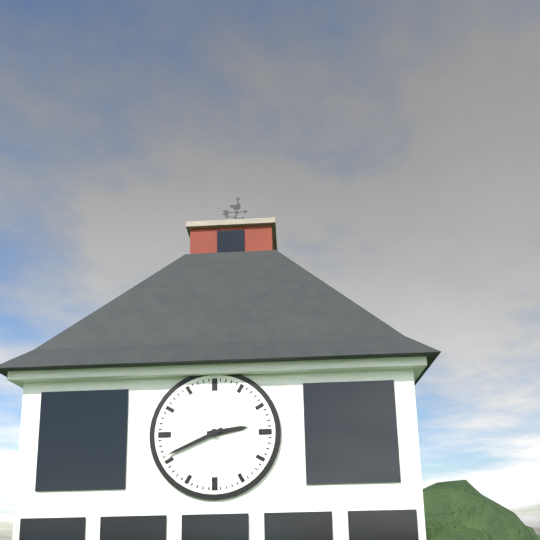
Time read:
2 h 41 min
